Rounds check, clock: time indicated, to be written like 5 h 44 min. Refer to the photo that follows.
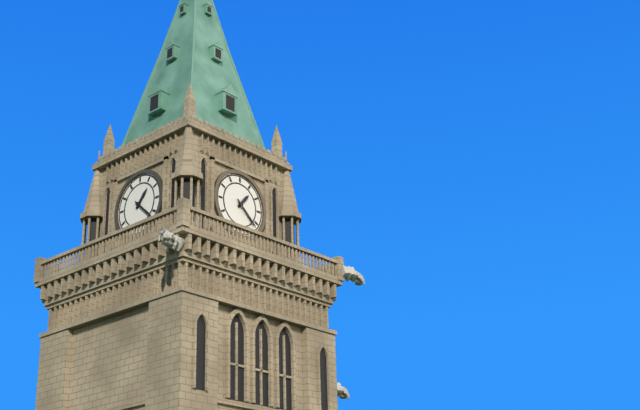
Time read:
1 h 22 min
